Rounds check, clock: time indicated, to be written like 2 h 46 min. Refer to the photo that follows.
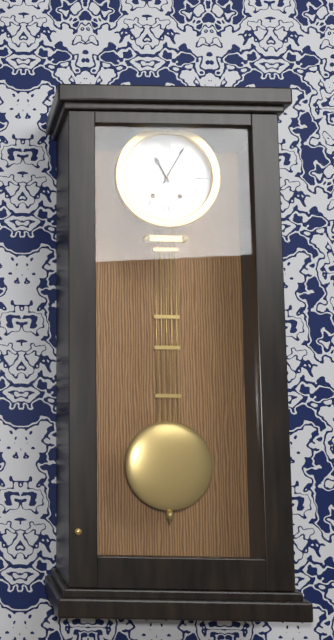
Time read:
11 h 05 min
